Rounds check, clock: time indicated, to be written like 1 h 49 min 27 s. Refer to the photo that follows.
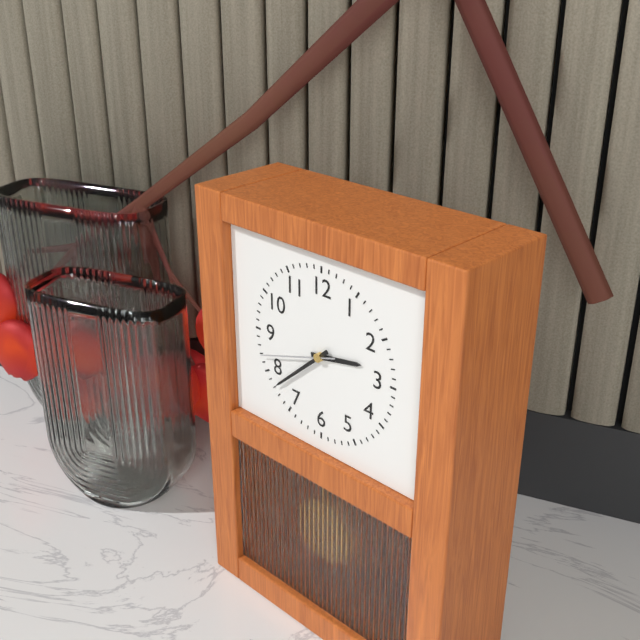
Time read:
2 h 38 min 42 s
